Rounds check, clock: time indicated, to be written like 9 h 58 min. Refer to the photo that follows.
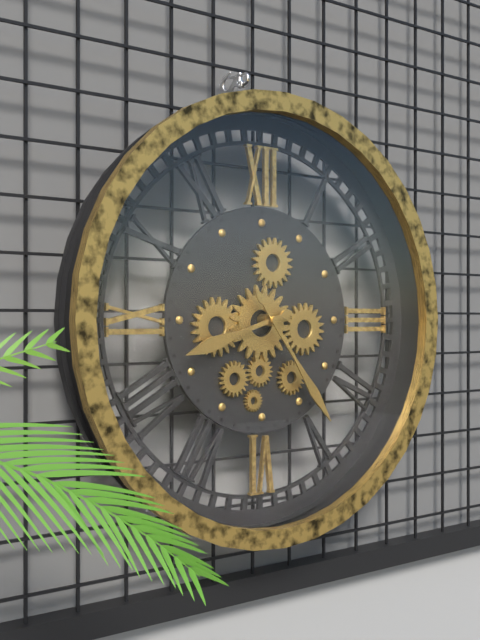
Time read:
8 h 24 min
